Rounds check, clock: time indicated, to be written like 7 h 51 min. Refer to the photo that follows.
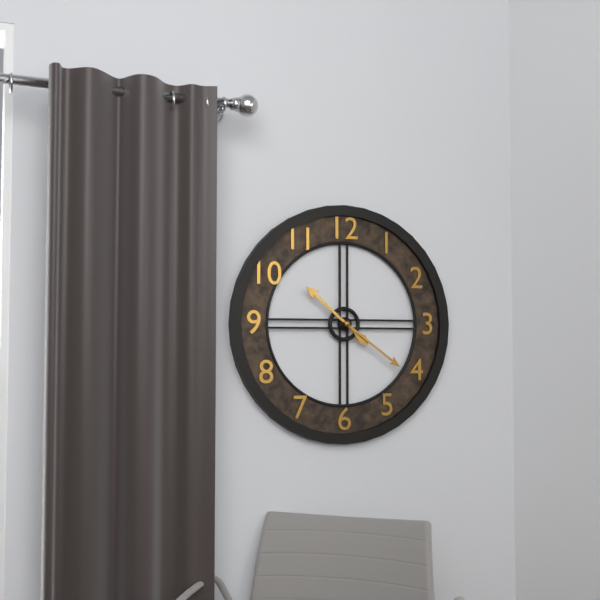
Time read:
10 h 21 min
